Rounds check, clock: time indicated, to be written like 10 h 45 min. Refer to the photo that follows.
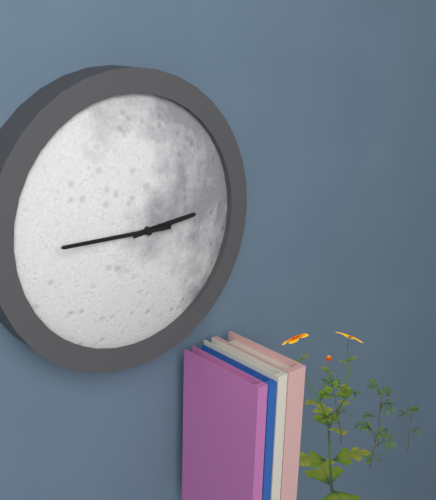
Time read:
2 h 45 min
